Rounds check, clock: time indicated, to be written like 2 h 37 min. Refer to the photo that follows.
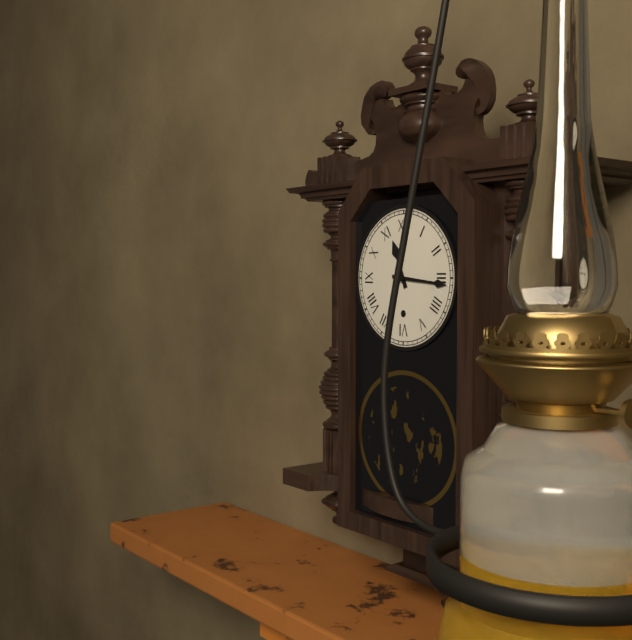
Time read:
11 h 16 min
